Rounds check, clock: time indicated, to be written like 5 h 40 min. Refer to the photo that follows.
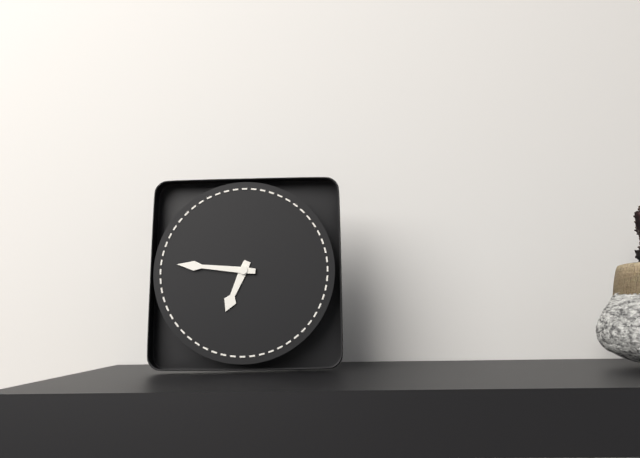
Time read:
6 h 46 min
